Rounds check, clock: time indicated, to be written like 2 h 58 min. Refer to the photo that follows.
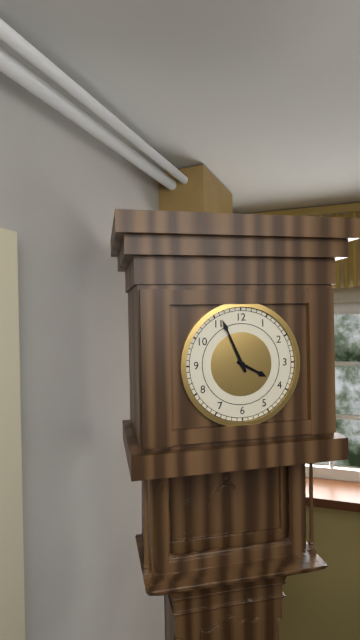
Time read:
3 h 56 min
